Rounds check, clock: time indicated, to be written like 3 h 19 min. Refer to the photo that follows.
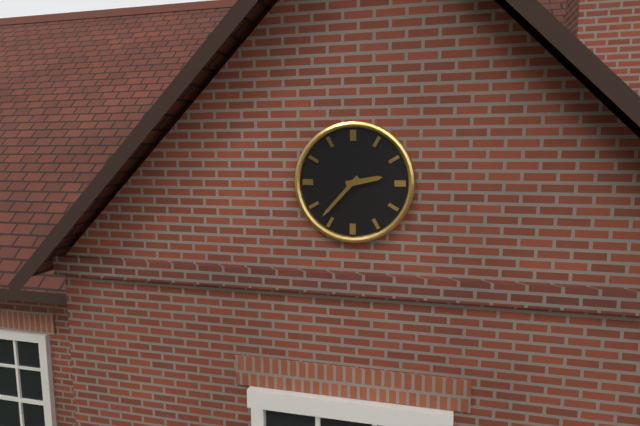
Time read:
2 h 37 min
